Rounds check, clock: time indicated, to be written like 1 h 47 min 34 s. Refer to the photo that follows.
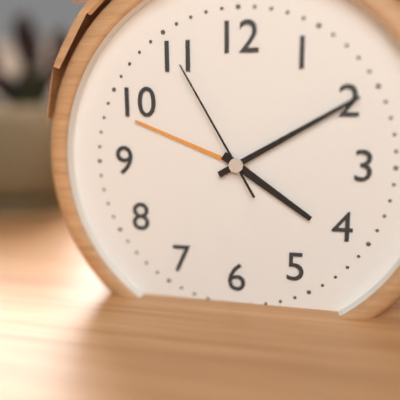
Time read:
4 h 10 min 55 s
